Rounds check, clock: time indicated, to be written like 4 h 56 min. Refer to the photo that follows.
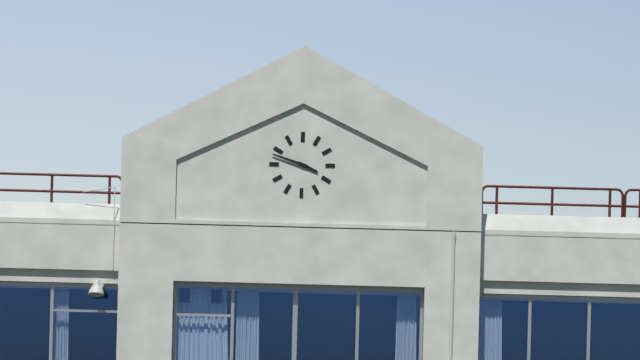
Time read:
3 h 48 min
